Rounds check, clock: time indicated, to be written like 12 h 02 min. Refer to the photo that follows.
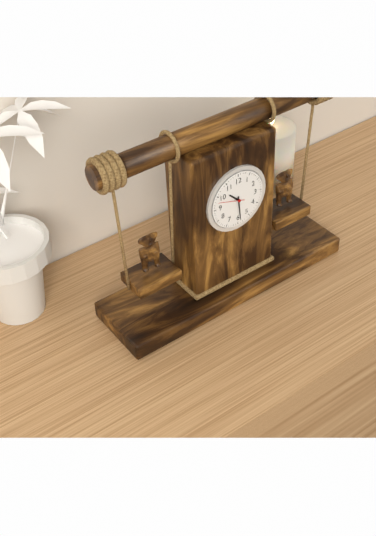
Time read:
10 h 29 min
